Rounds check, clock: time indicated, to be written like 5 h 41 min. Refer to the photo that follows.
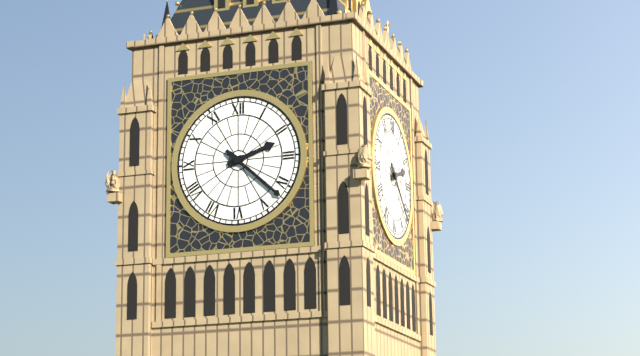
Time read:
2 h 22 min
